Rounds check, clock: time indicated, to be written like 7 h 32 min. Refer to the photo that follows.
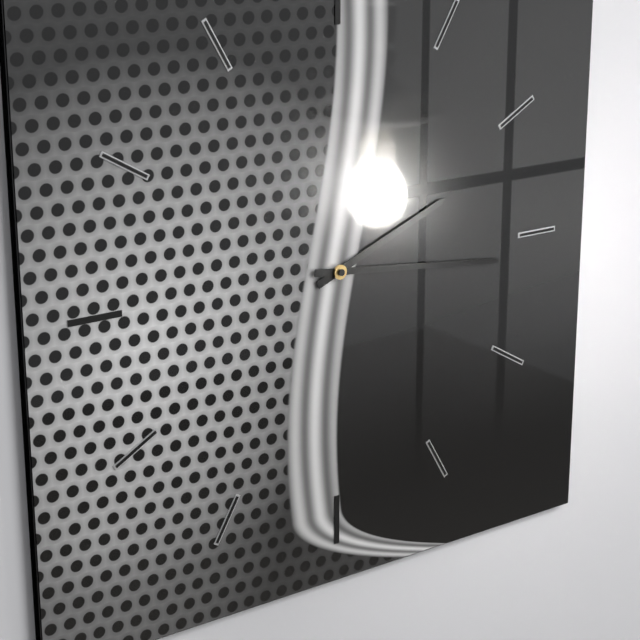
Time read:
2 h 16 min
